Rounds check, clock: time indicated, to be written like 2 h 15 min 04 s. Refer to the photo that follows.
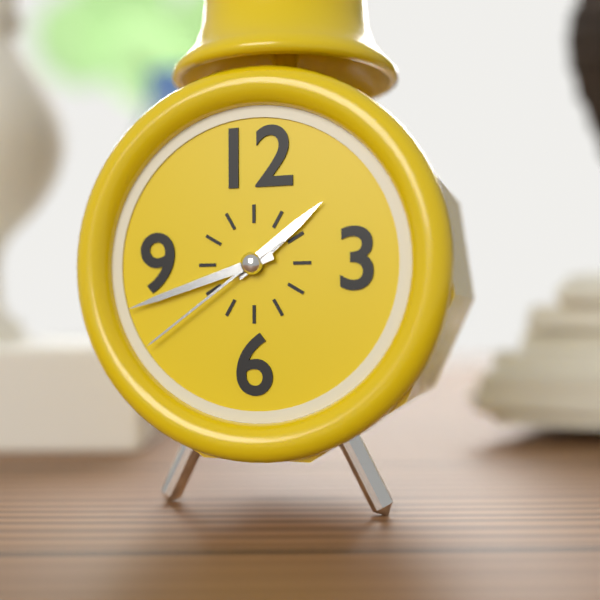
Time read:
1 h 42 min 39 s
